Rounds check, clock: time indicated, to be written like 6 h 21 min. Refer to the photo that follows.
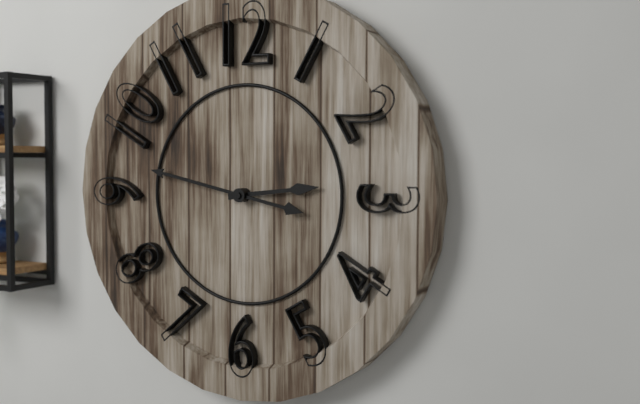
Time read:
2 h 47 min
